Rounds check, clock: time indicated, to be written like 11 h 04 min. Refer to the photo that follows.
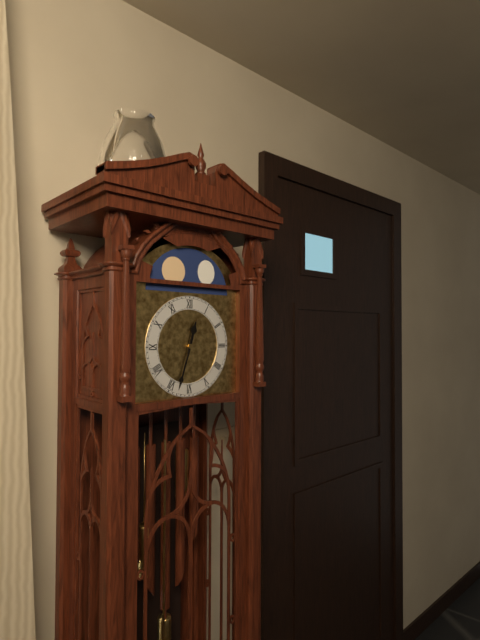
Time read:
12 h 33 min
